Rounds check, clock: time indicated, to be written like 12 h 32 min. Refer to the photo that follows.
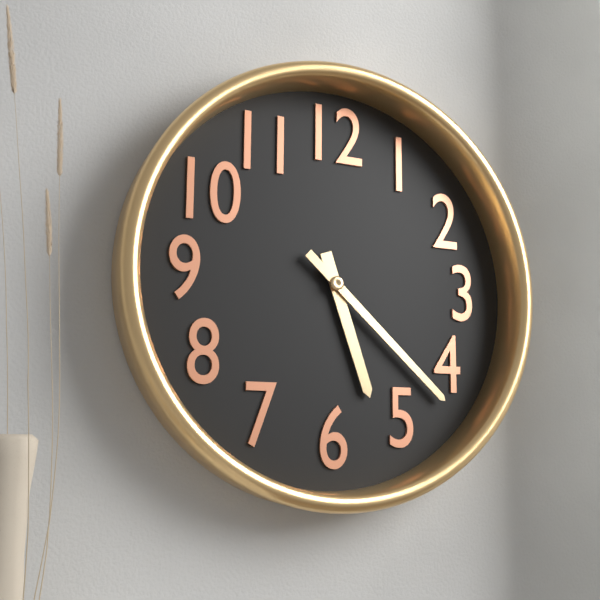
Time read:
5 h 22 min
